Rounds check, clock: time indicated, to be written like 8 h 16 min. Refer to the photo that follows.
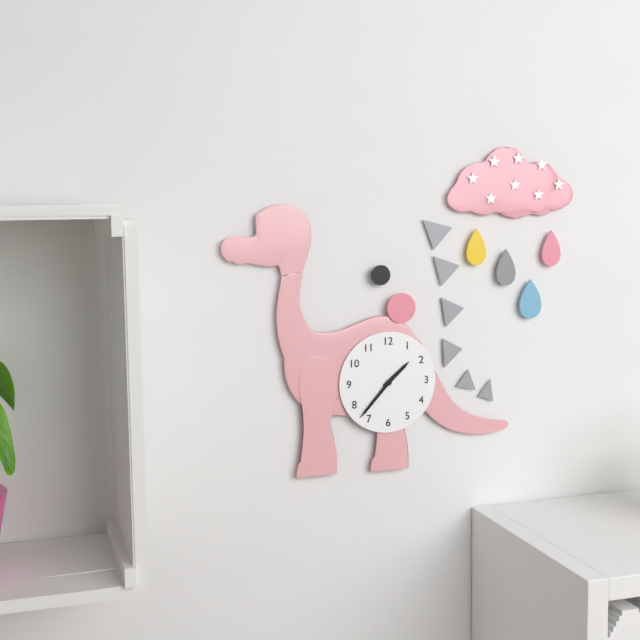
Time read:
1 h 37 min
